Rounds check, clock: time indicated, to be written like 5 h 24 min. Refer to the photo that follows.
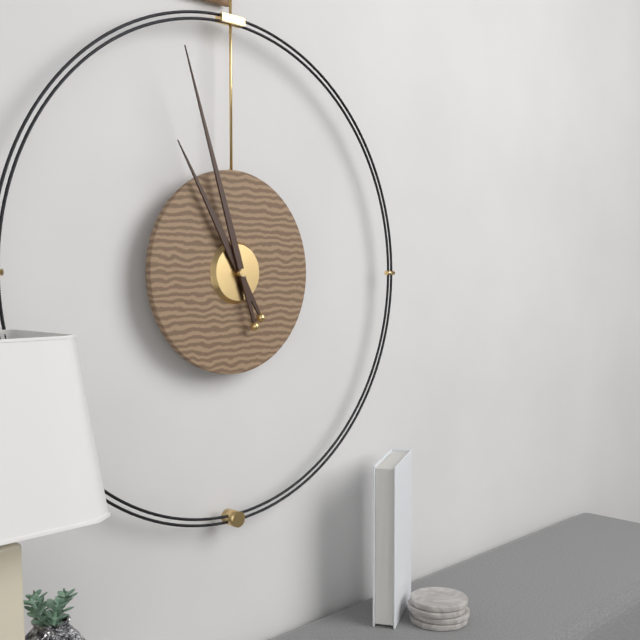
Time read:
10 h 57 min
